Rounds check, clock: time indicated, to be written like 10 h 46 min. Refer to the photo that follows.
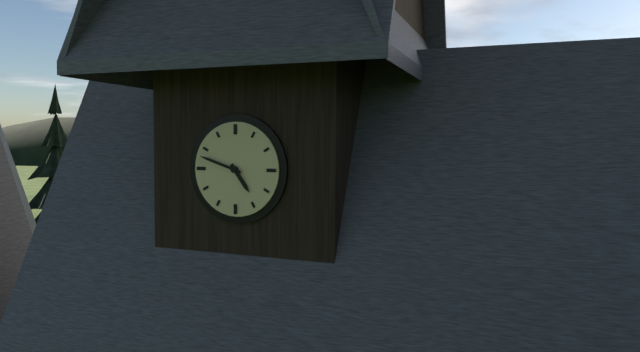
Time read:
4 h 48 min
